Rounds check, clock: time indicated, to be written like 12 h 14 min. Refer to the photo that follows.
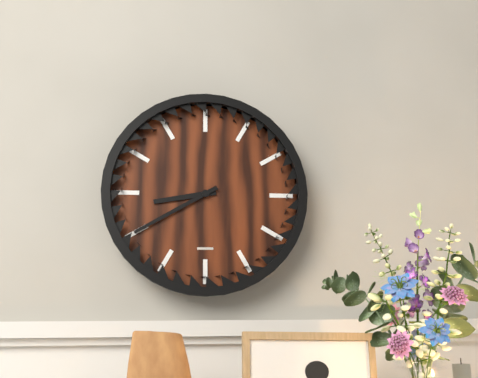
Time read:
8 h 40 min
